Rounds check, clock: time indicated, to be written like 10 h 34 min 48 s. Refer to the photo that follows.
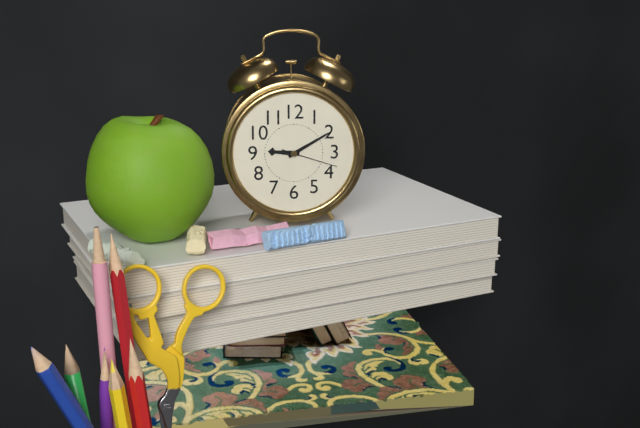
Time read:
9 h 10 min 18 s
